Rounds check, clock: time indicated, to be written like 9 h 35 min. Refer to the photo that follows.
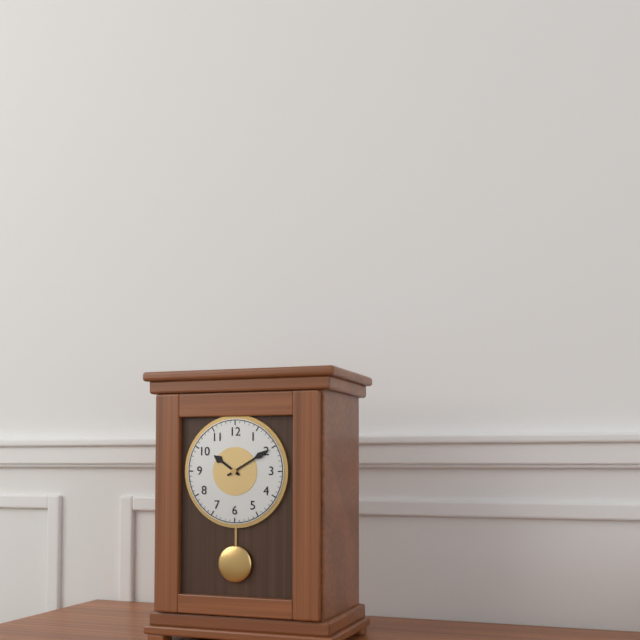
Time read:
10 h 10 min
